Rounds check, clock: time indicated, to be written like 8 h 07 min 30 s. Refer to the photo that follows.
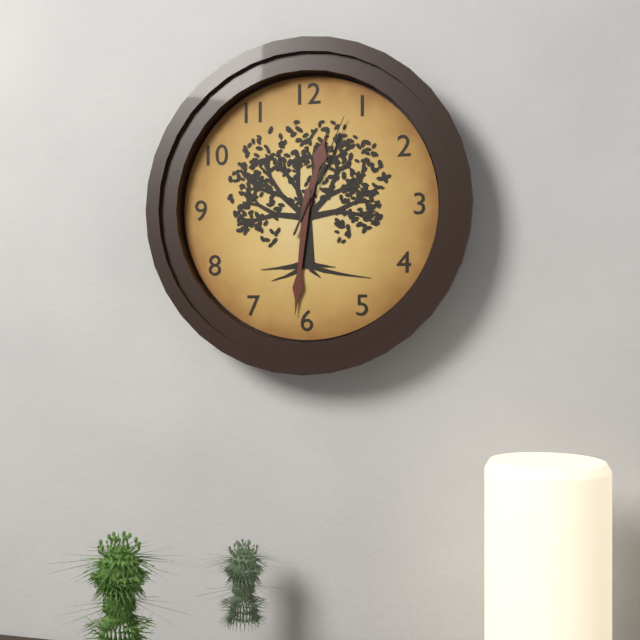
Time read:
12 h 31 min 04 s
